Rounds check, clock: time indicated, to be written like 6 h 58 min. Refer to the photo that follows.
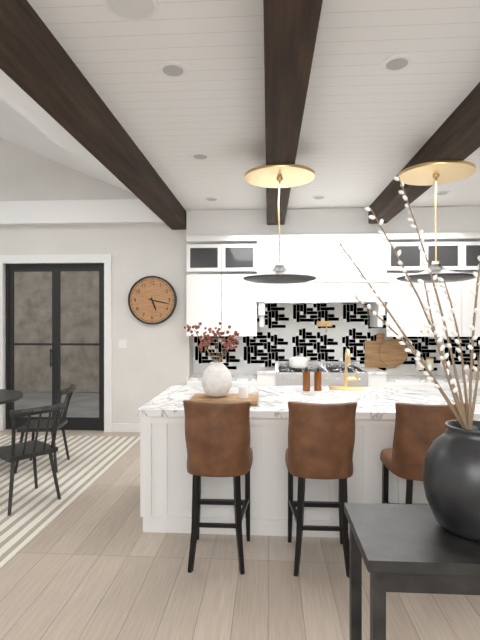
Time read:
5 h 17 min
